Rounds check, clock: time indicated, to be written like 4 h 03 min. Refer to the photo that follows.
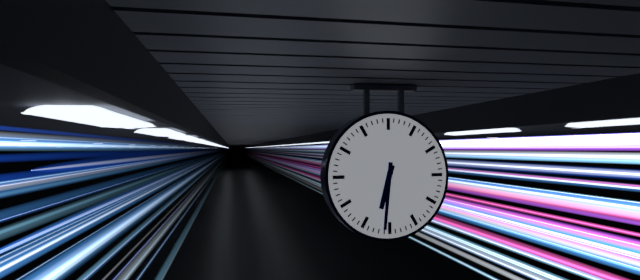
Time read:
6 h 31 min
